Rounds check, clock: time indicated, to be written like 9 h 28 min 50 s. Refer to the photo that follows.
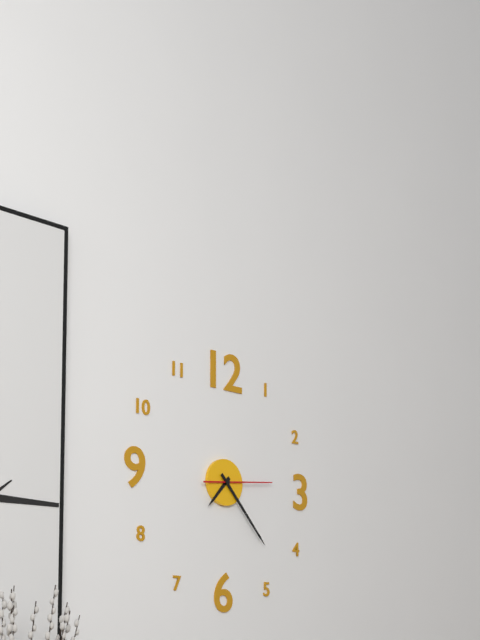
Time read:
7 h 23 min 14 s
